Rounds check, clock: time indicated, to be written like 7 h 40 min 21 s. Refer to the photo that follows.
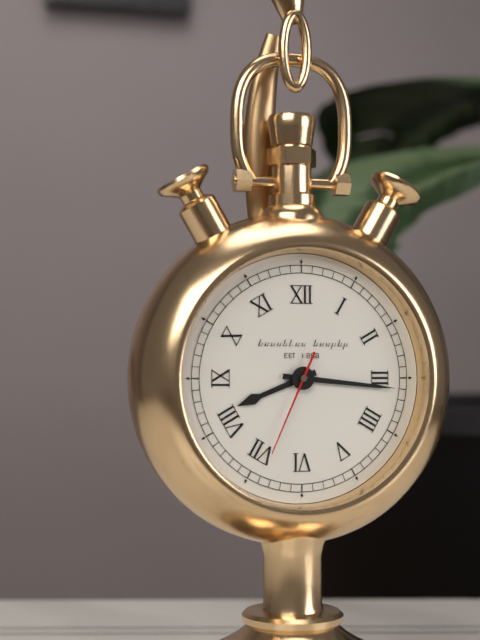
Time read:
8 h 16 min 34 s
